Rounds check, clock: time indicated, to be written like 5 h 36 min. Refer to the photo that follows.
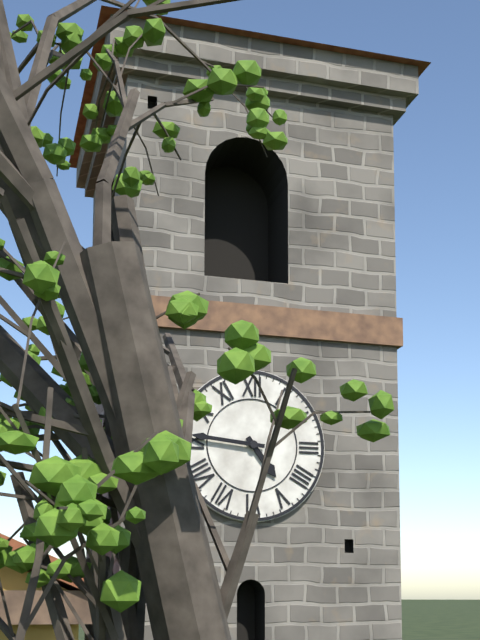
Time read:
4 h 46 min
